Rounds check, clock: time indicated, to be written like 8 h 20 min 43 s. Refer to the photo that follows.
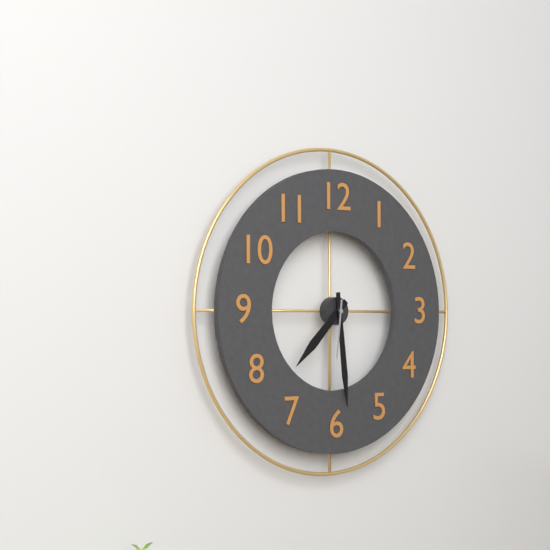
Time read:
7 h 29 min 31 s
